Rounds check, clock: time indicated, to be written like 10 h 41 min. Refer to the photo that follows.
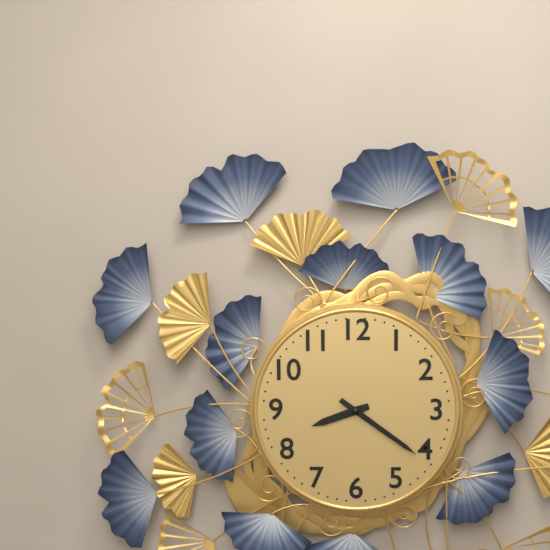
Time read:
8 h 21 min
